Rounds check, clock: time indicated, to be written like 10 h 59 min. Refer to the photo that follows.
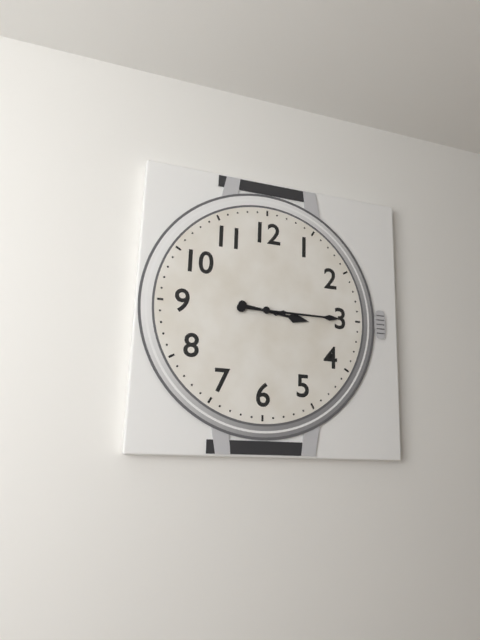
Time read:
3 h 15 min
